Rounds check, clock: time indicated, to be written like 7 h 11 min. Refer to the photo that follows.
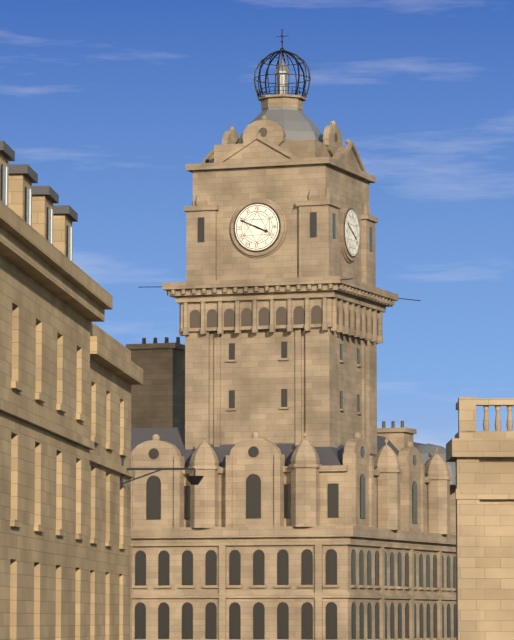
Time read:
3 h 49 min
